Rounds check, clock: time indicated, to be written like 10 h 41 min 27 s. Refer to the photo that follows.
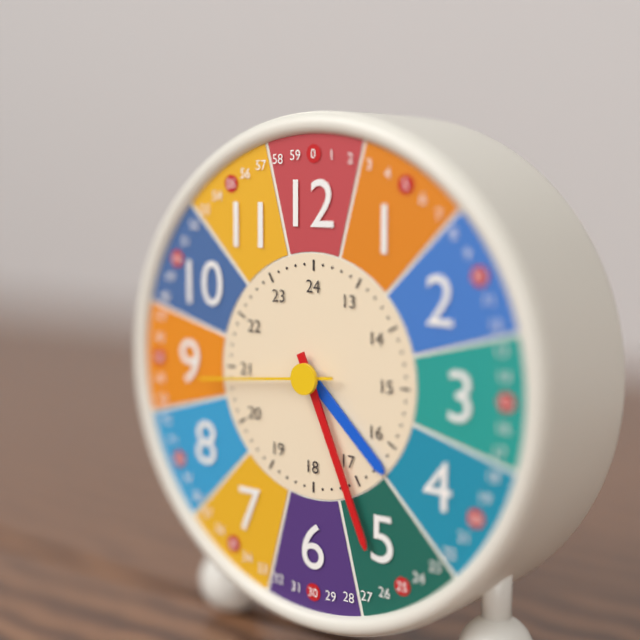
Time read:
4 h 26 min 44 s
